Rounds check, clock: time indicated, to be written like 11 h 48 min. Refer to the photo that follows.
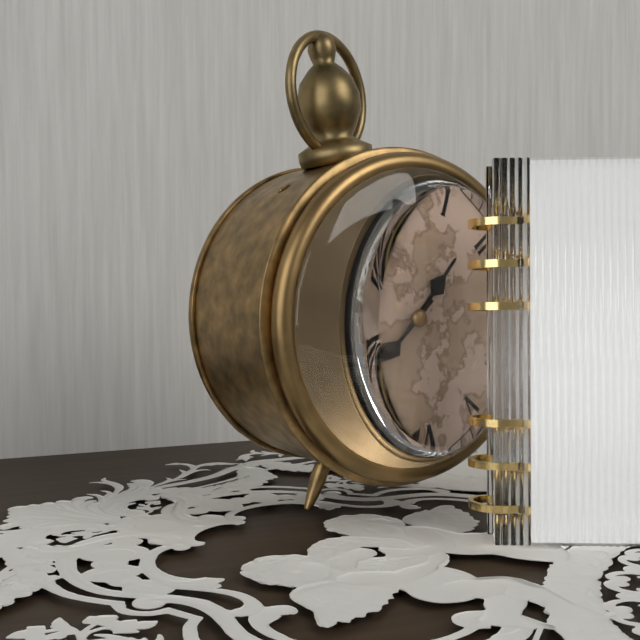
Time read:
1 h 39 min
